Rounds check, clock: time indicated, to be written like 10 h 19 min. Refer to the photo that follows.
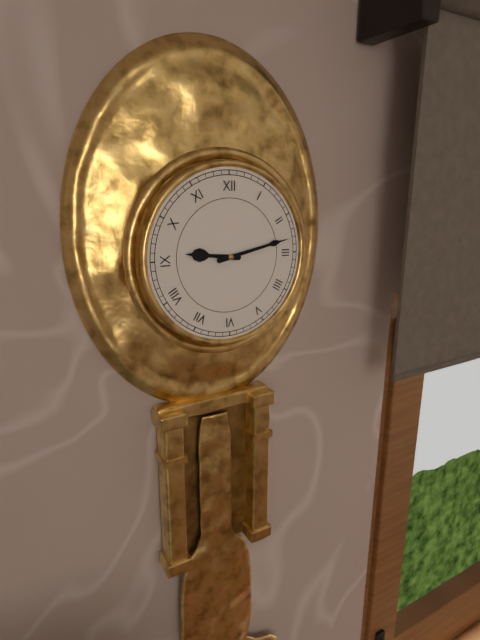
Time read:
9 h 13 min
